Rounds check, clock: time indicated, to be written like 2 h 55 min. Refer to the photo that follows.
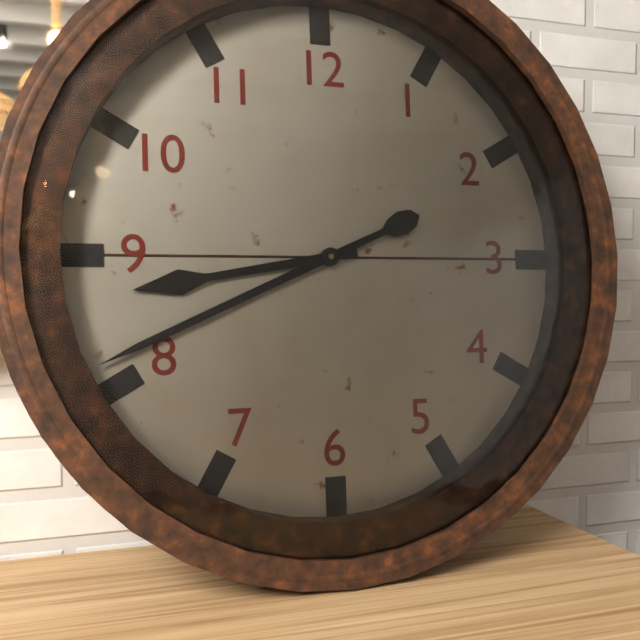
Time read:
8 h 41 min
